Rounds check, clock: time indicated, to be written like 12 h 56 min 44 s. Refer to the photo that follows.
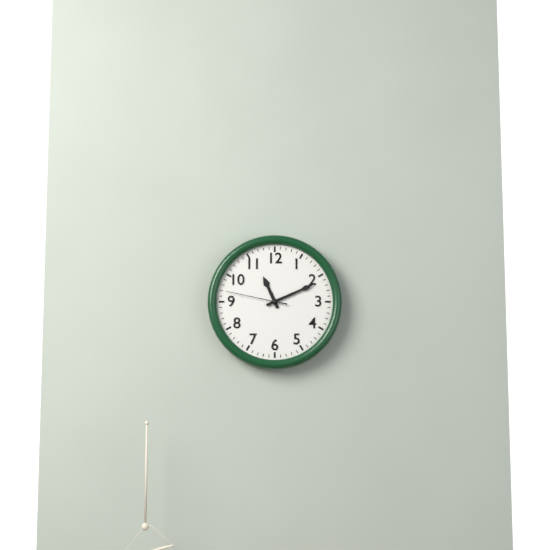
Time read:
11 h 11 min 47 s
